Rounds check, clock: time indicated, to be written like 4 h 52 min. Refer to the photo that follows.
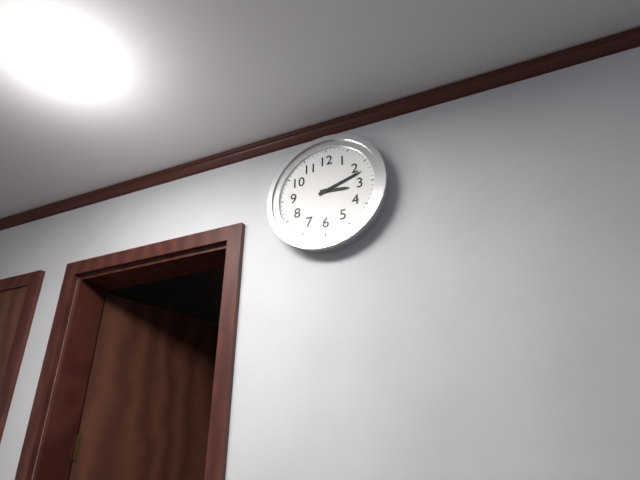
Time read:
3 h 12 min
